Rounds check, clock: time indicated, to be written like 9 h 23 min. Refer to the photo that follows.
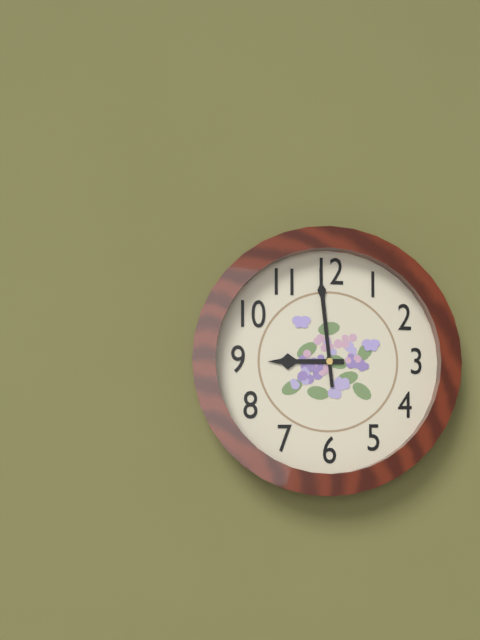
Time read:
8 h 59 min
